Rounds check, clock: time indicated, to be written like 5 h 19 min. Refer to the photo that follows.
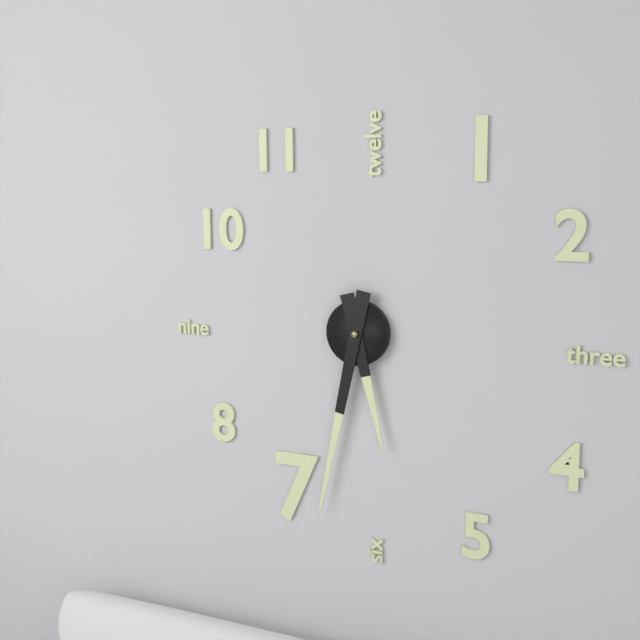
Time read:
5 h 32 min
